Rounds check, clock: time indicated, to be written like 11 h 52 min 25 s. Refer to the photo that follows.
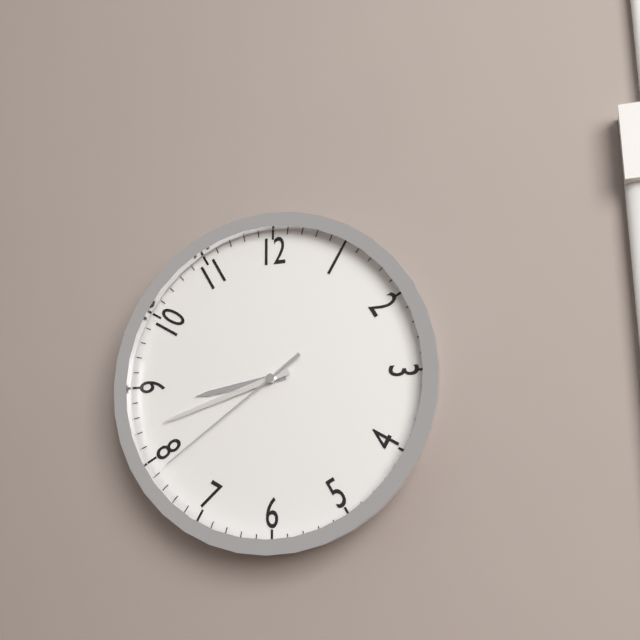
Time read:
8 h 42 min 39 s
